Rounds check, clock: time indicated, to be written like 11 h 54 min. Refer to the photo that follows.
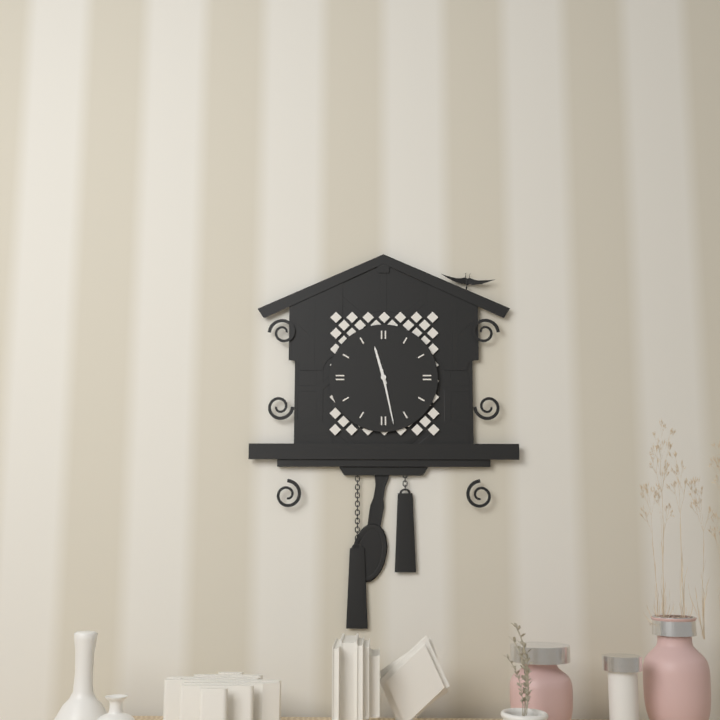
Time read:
11 h 28 min
